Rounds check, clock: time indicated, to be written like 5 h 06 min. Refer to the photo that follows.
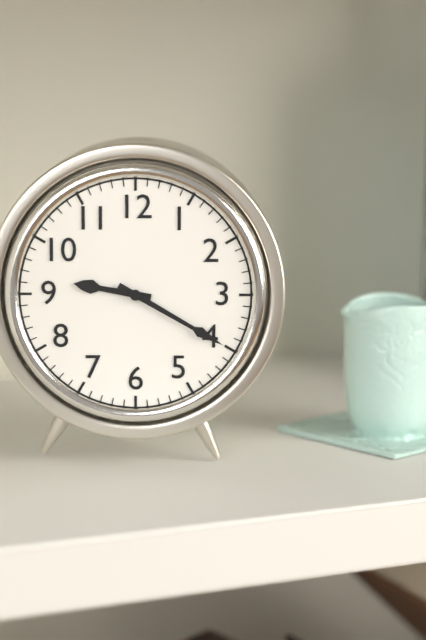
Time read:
9 h 20 min
